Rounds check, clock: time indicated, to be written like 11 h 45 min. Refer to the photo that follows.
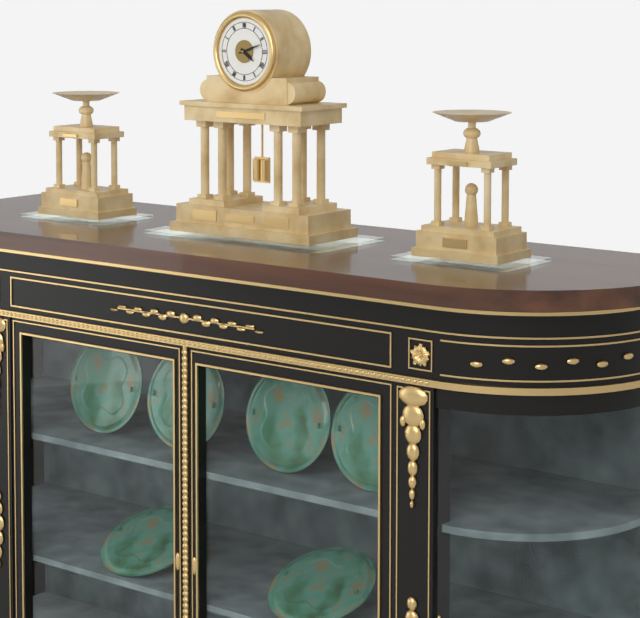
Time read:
4 h 12 min
